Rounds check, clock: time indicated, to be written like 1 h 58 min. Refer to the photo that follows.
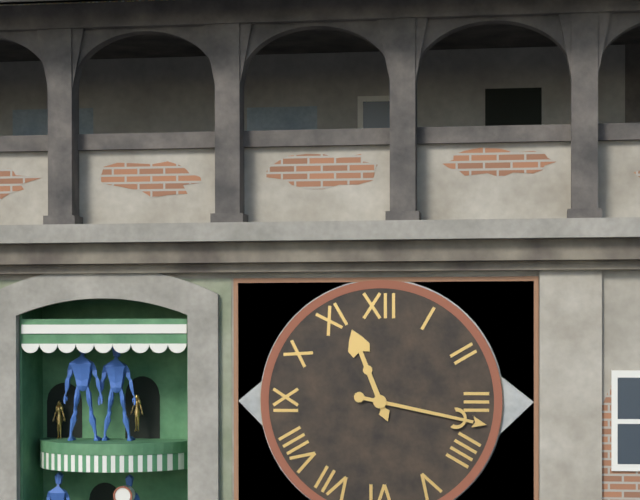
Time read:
11 h 17 min
